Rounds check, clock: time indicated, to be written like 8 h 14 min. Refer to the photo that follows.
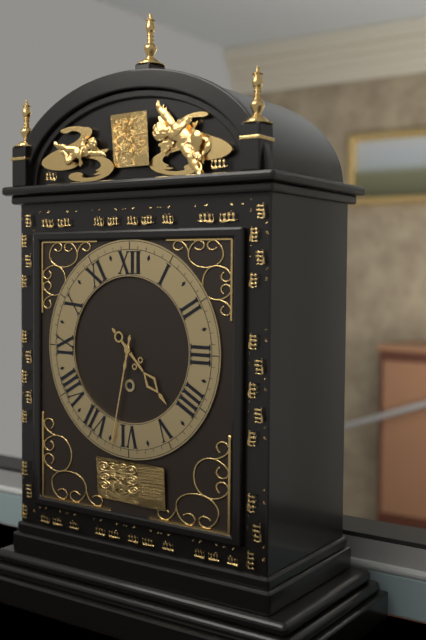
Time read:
4 h 32 min
